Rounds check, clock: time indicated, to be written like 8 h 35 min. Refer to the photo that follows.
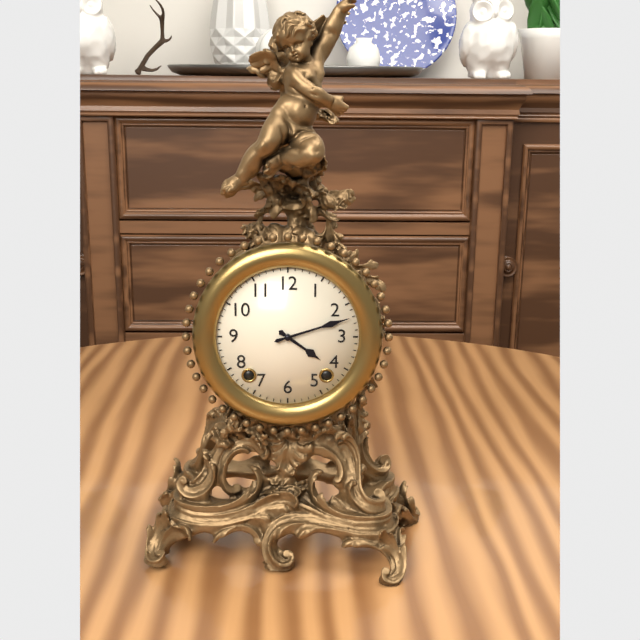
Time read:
4 h 12 min
